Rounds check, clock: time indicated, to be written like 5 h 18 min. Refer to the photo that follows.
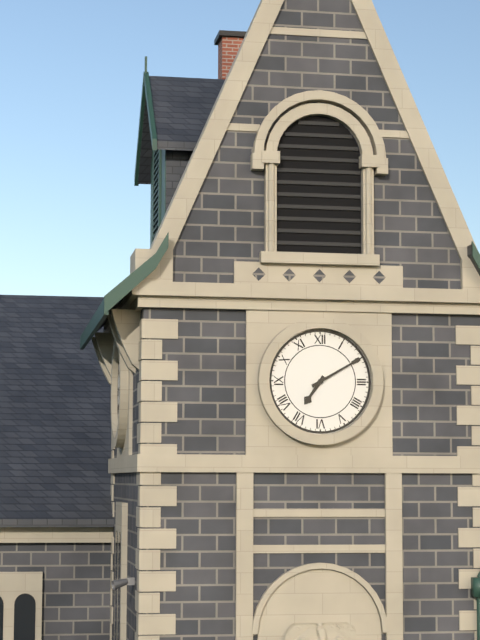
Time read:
7 h 10 min
